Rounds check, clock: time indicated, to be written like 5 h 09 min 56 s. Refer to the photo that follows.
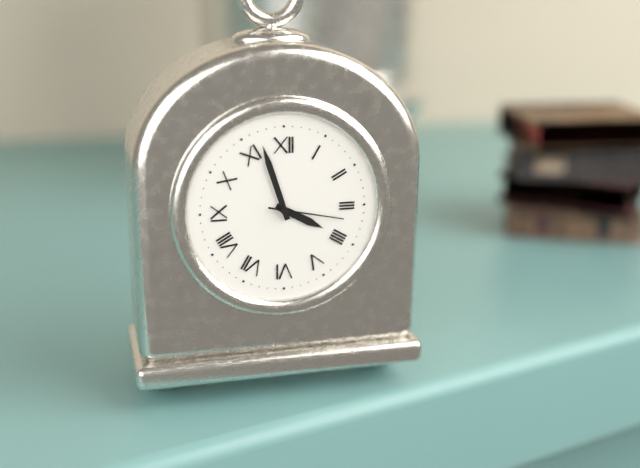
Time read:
3 h 57 min 17 s
